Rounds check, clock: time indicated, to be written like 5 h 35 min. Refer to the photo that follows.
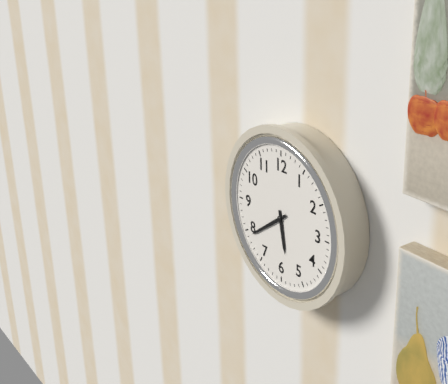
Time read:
5 h 39 min
